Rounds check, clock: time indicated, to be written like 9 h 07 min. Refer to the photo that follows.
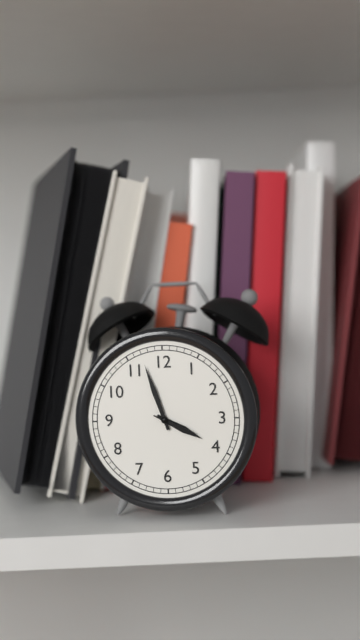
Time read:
3 h 57 min
